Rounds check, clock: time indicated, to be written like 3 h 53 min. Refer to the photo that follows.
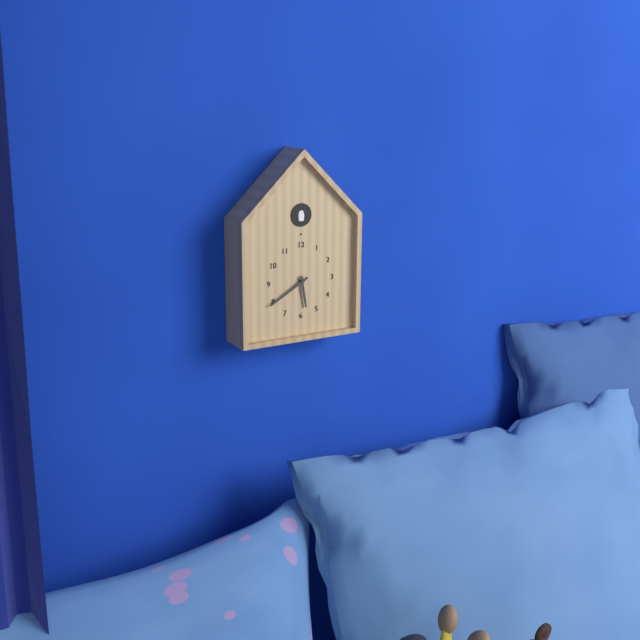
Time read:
5 h 40 min
